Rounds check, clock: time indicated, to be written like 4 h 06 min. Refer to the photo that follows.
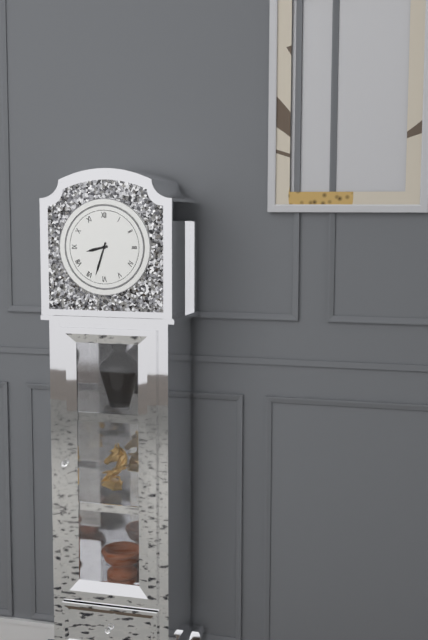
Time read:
8 h 33 min
